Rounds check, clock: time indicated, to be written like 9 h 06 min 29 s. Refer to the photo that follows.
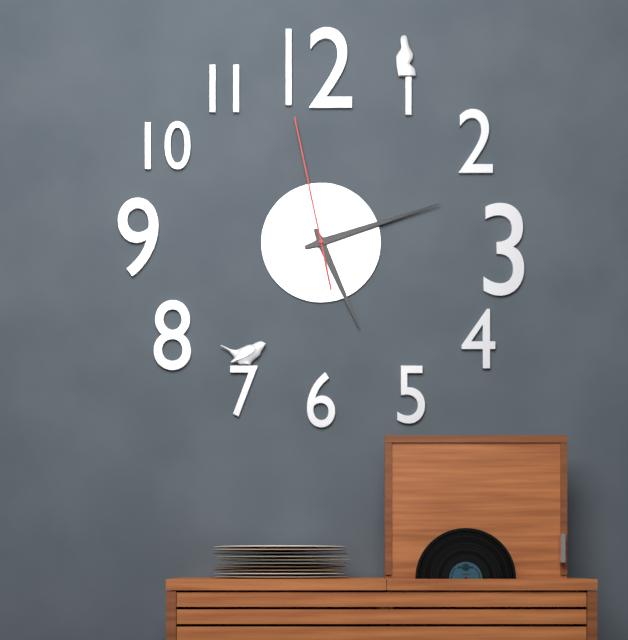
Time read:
5 h 12 min 58 s
